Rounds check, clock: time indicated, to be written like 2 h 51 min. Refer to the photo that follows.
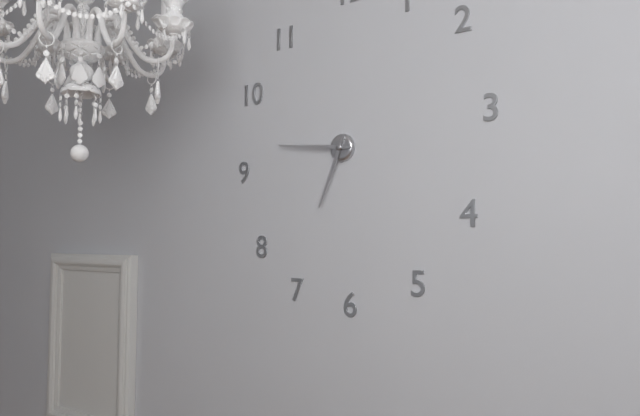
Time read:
6 h 46 min
